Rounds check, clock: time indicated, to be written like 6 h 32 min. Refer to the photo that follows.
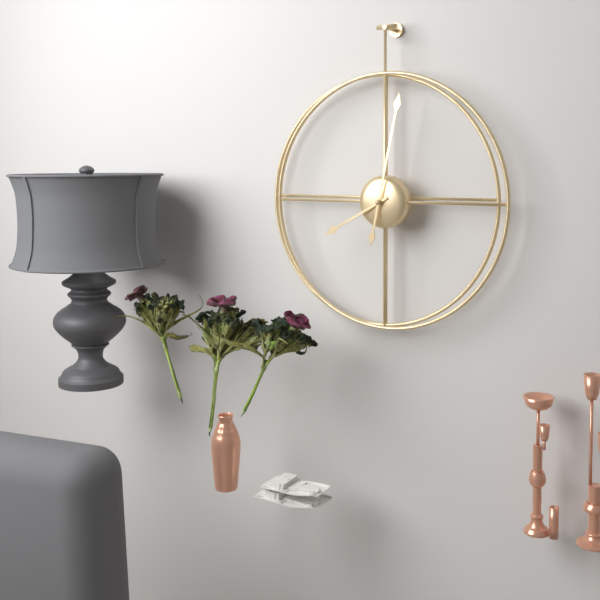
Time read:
8 h 02 min
